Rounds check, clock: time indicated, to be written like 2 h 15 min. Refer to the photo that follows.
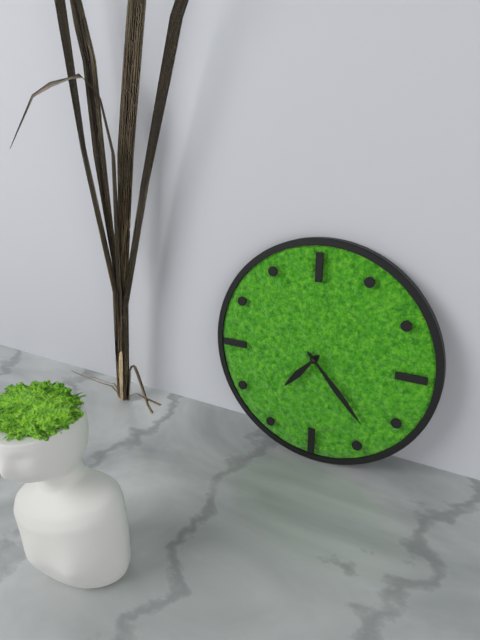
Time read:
7 h 23 min
